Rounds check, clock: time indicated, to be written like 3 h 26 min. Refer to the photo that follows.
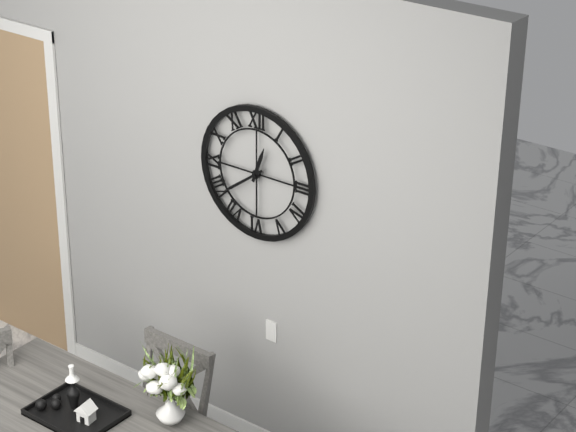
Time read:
12 h 39 min
